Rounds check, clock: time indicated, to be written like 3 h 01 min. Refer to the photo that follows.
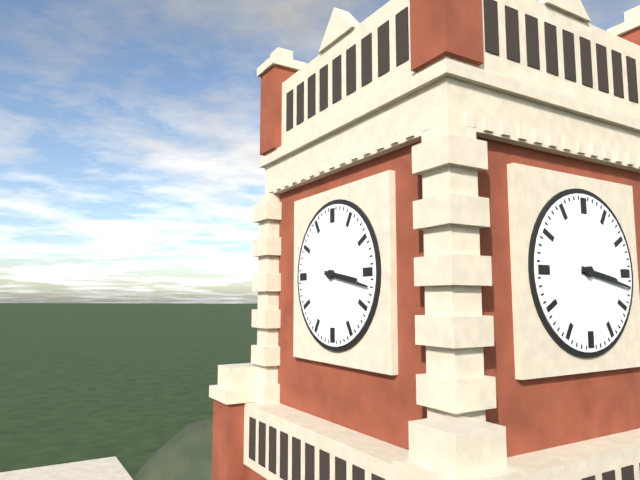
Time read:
3 h 17 min
